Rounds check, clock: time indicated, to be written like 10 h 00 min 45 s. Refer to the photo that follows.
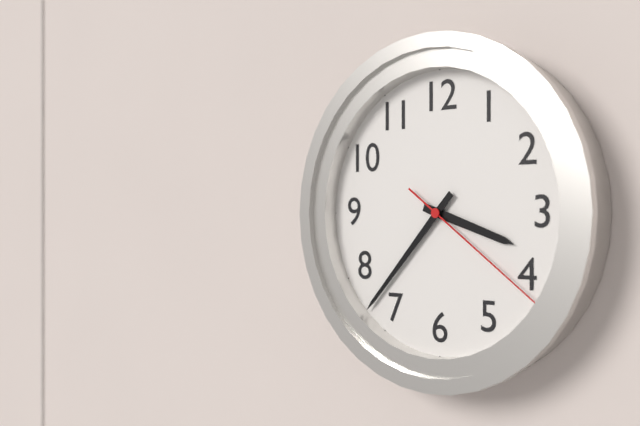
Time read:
3 h 37 min 21 s
